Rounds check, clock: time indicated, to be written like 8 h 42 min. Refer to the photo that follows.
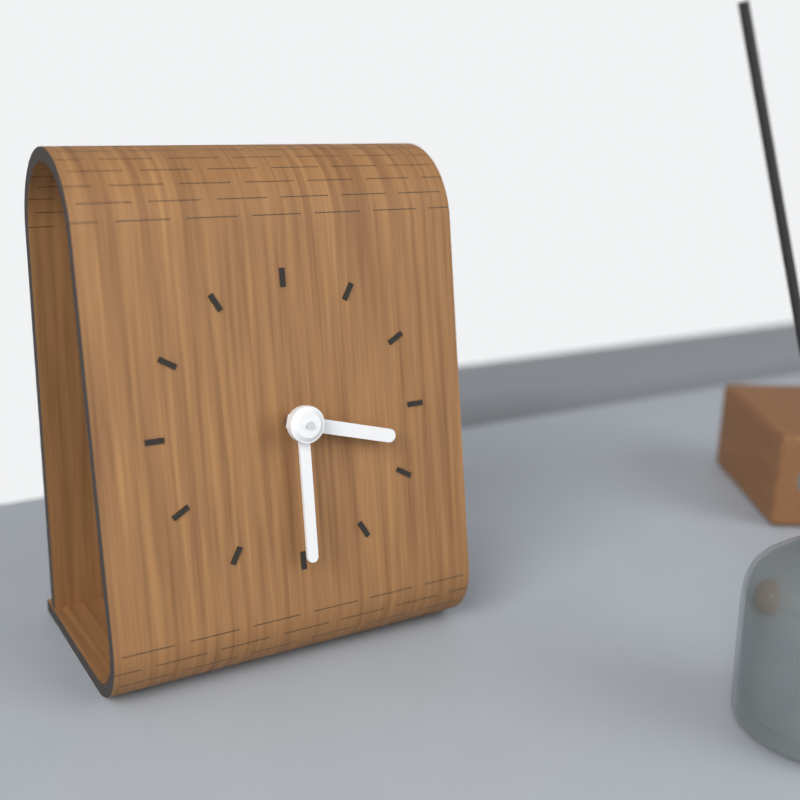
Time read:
3 h 30 min
